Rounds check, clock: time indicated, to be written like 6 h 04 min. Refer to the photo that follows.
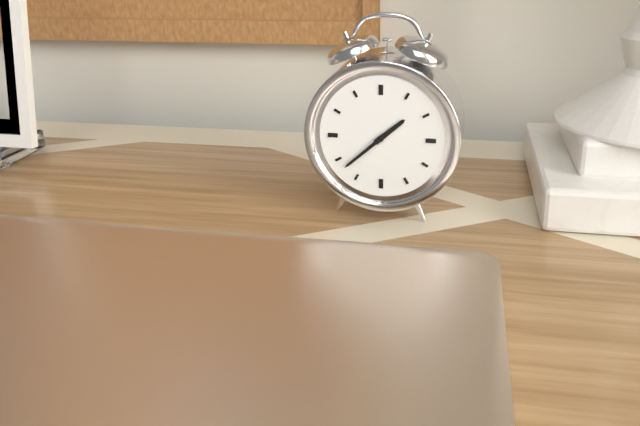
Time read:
1 h 38 min
